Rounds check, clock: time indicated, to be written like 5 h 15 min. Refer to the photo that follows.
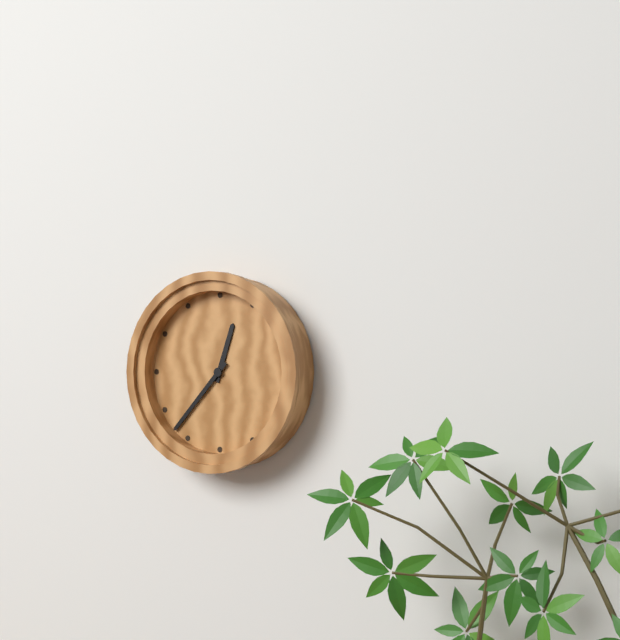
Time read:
12 h 37 min
